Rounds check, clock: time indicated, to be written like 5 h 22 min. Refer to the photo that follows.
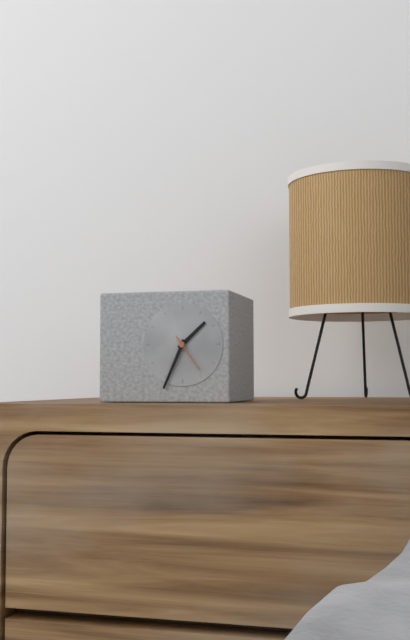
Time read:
1 h 34 min
